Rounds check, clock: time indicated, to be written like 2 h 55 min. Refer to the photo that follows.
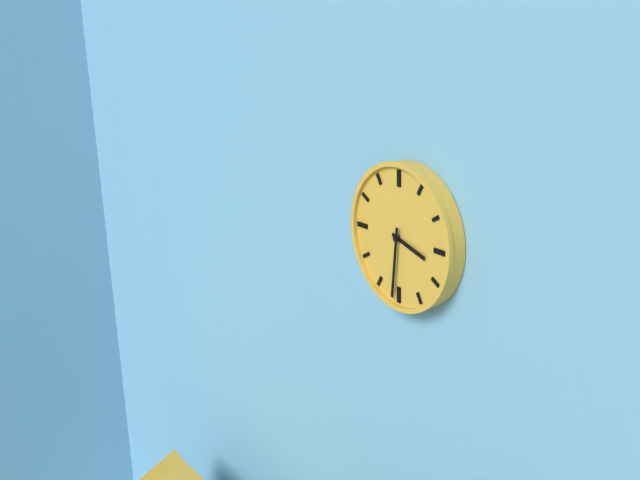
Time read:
3 h 31 min
